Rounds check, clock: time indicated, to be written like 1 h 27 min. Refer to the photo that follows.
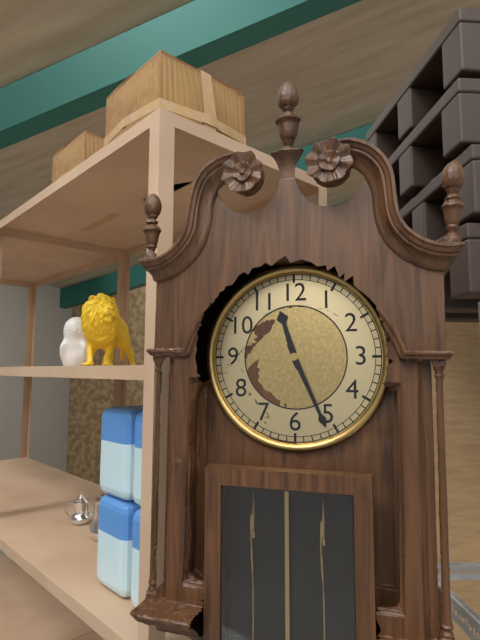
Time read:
11 h 26 min
